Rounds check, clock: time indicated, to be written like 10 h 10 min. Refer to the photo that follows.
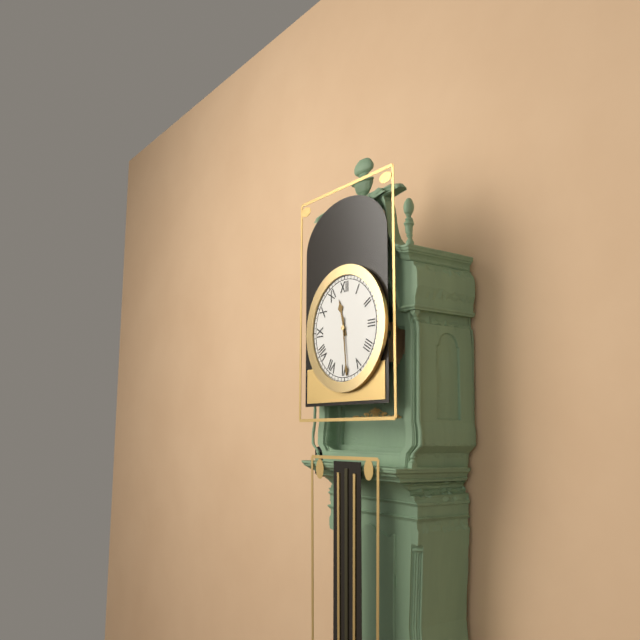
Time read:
11 h 29 min
